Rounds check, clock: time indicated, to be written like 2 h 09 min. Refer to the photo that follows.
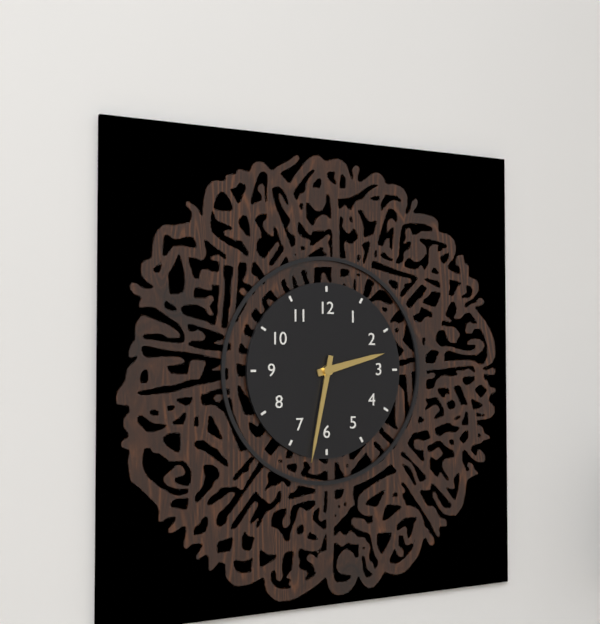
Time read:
2 h 32 min
